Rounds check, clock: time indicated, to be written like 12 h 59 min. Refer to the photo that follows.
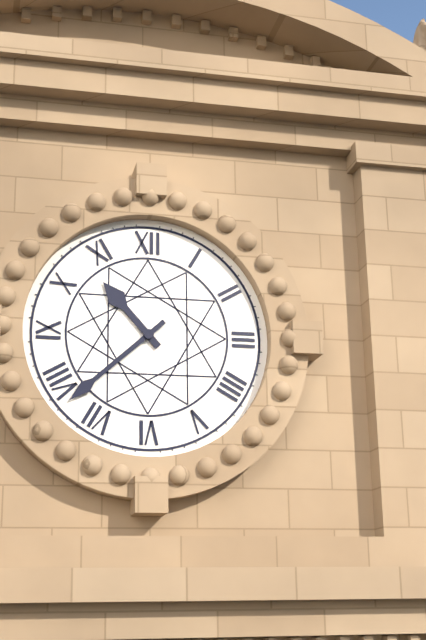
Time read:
10 h 38 min
